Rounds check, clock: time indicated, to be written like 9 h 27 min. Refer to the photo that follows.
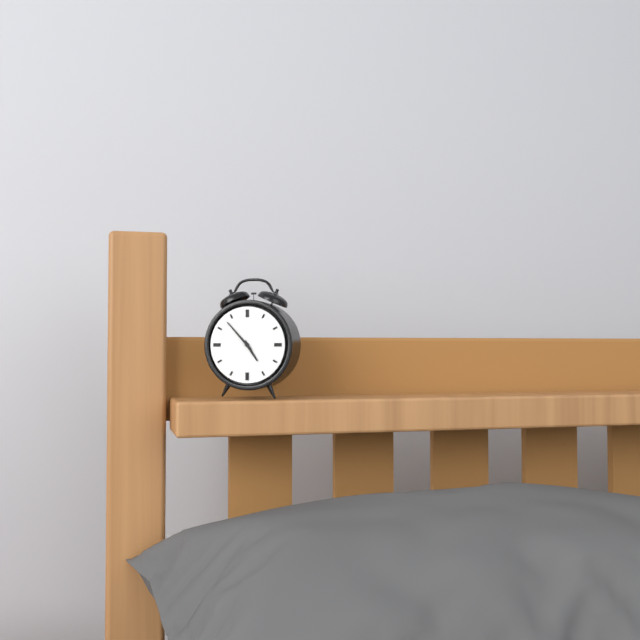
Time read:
4 h 53 min
